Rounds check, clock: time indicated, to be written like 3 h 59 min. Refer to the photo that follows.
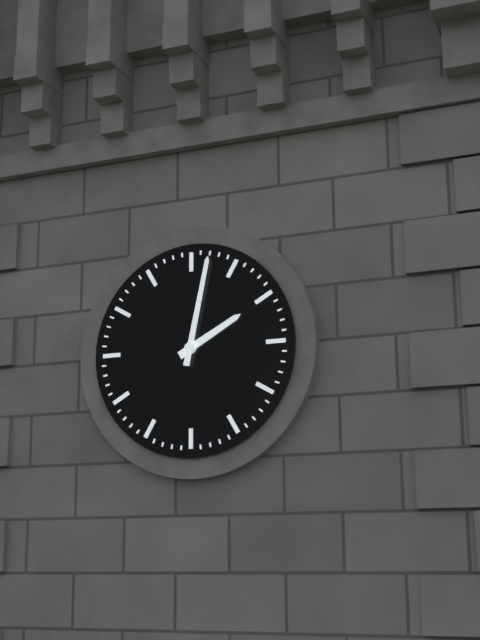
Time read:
2 h 02 min
